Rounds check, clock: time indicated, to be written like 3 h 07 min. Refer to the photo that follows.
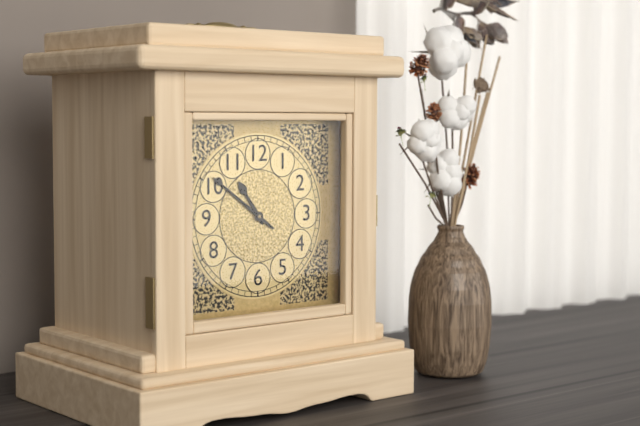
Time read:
10 h 51 min
